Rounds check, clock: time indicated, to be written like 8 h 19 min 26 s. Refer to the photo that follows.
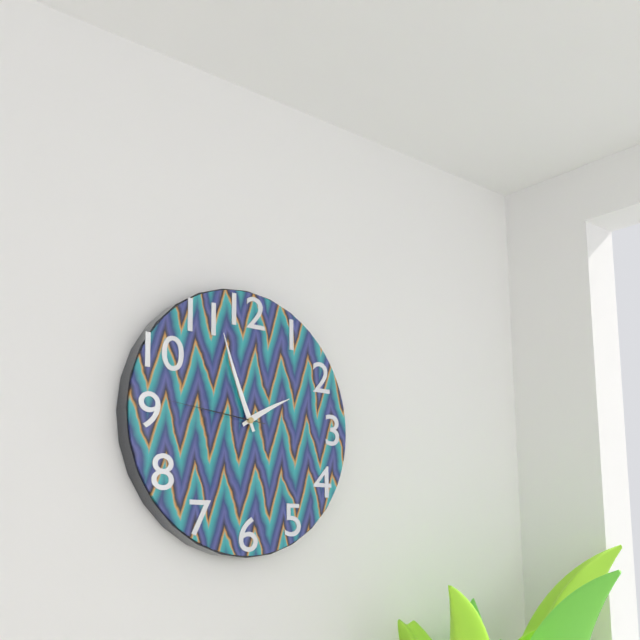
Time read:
1 h 56 min 46 s
